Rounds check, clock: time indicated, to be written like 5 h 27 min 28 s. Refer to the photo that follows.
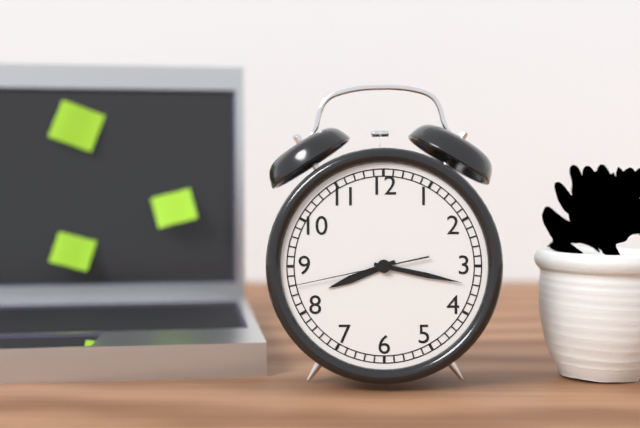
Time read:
8 h 17 min 43 s
